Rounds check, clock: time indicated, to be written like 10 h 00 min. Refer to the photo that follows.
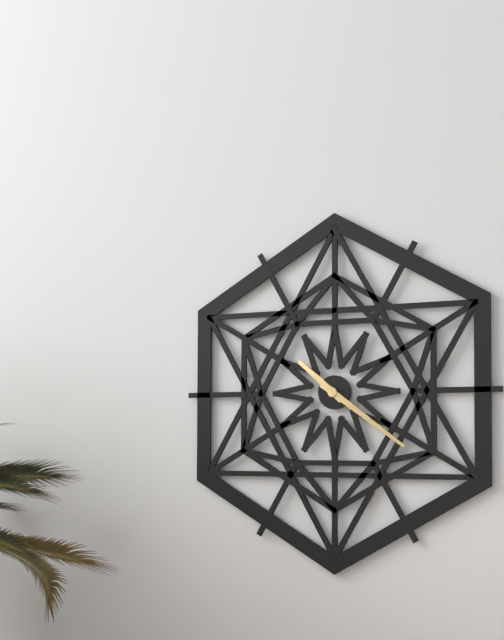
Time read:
10 h 21 min
